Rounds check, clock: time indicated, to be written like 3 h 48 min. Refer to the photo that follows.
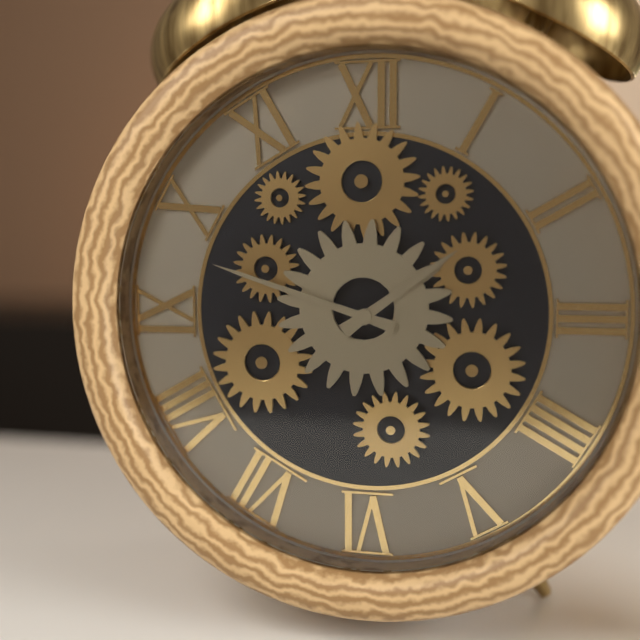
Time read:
1 h 48 min
